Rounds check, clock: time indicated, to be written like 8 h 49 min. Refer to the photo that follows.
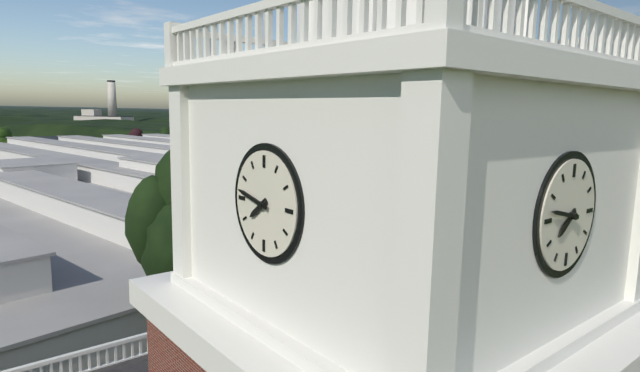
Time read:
7 h 47 min
